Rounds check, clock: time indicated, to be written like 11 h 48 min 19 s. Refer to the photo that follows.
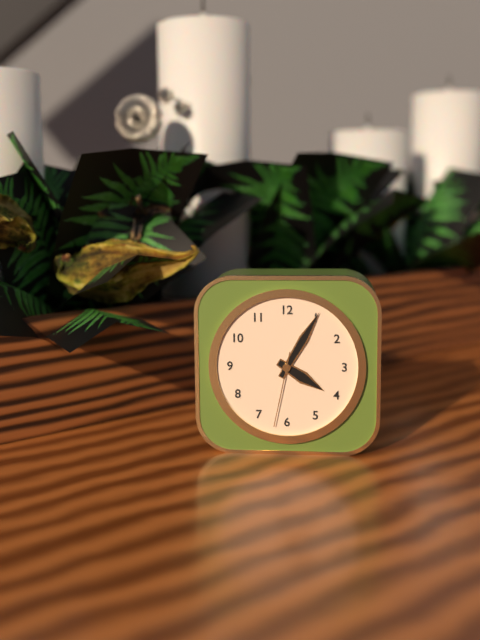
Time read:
4 h 05 min 32 s
